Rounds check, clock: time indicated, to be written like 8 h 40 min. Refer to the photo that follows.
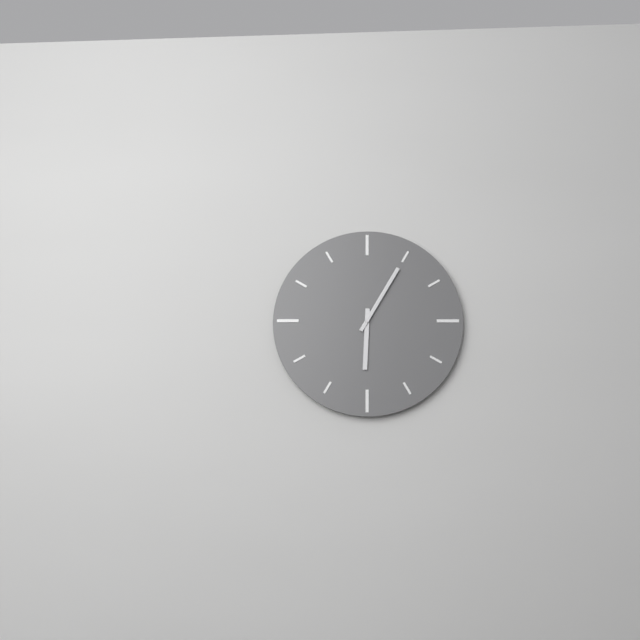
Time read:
6 h 05 min
